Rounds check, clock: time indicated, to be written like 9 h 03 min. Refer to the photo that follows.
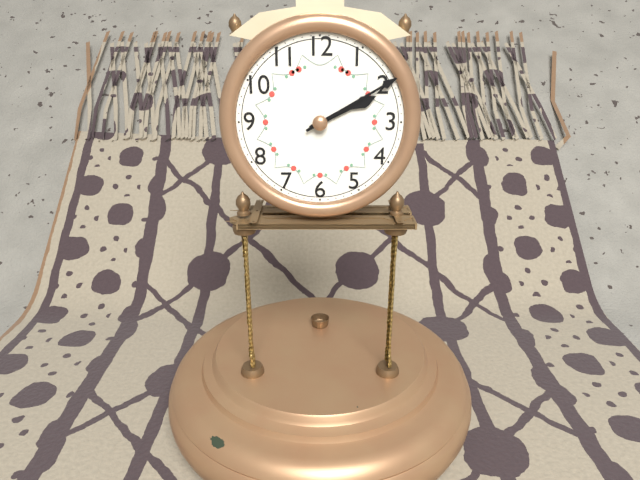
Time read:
2 h 10 min
